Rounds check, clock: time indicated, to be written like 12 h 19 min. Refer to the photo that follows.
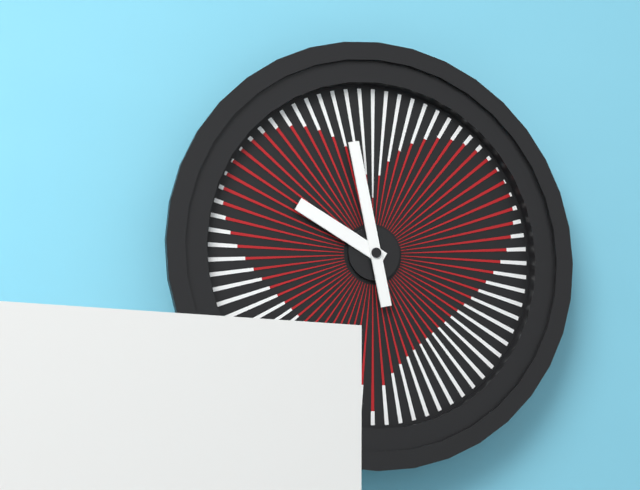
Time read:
9 h 58 min
